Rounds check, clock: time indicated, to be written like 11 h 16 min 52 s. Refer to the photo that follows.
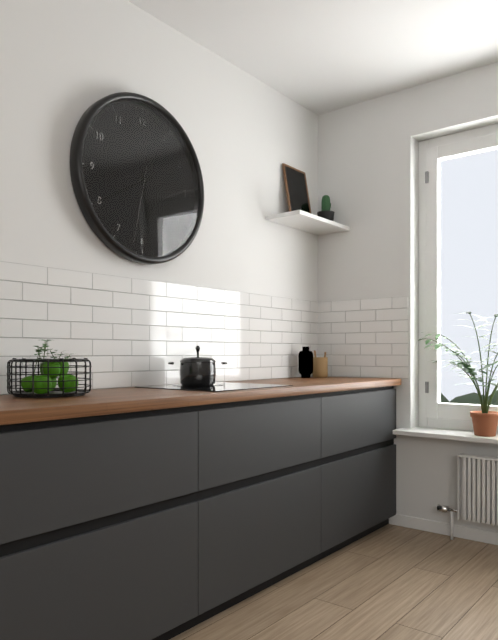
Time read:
5 h 40 min 32 s
